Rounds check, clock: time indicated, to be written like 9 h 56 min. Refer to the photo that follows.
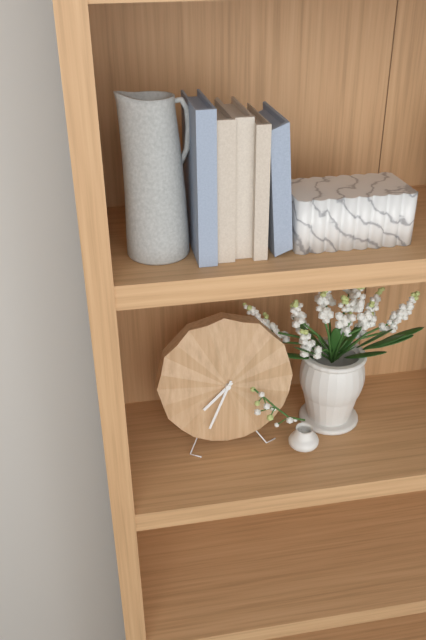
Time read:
7 h 34 min
